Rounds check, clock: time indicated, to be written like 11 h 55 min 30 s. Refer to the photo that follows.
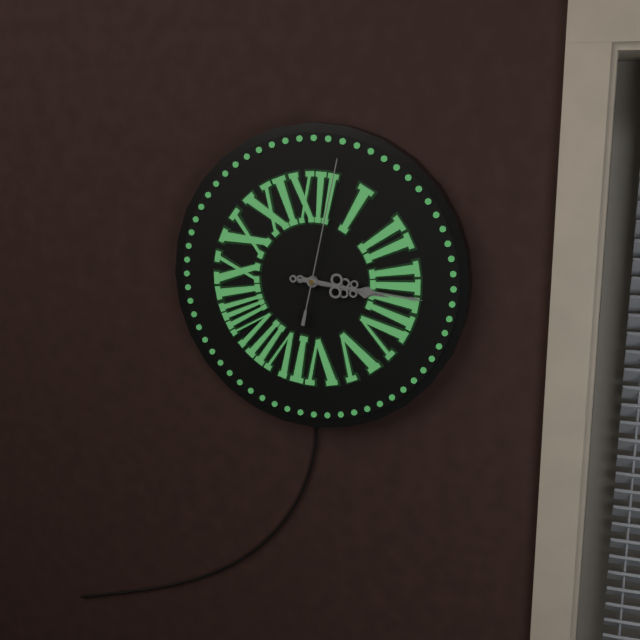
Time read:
3 h 16 min 02 s
